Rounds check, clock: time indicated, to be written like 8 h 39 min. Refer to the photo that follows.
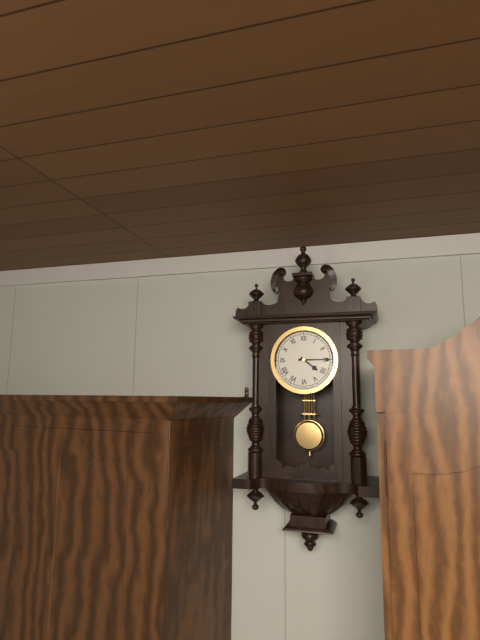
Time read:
4 h 15 min
